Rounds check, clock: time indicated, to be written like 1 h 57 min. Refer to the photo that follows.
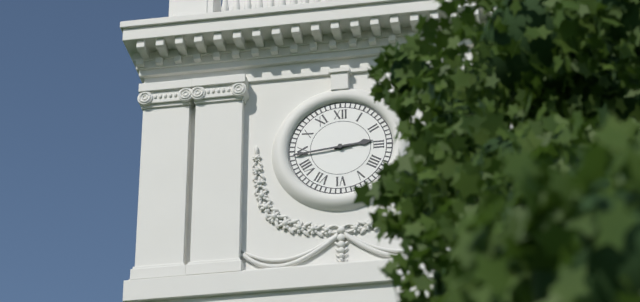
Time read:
2 h 44 min
